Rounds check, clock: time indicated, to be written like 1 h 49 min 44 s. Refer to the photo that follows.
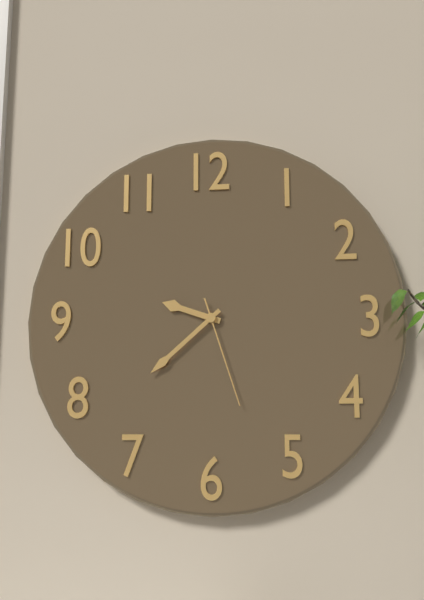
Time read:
9 h 38 min 27 s
